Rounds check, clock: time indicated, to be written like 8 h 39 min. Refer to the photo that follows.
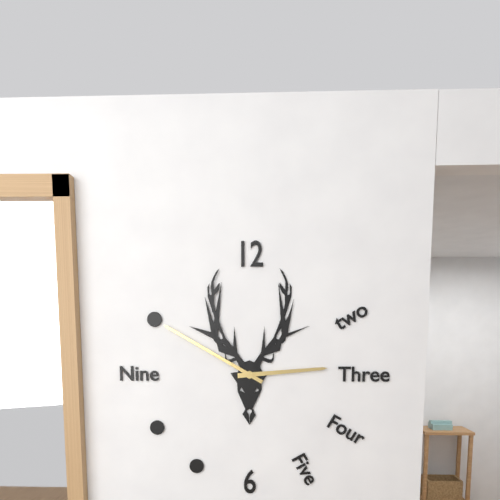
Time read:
2 h 50 min
